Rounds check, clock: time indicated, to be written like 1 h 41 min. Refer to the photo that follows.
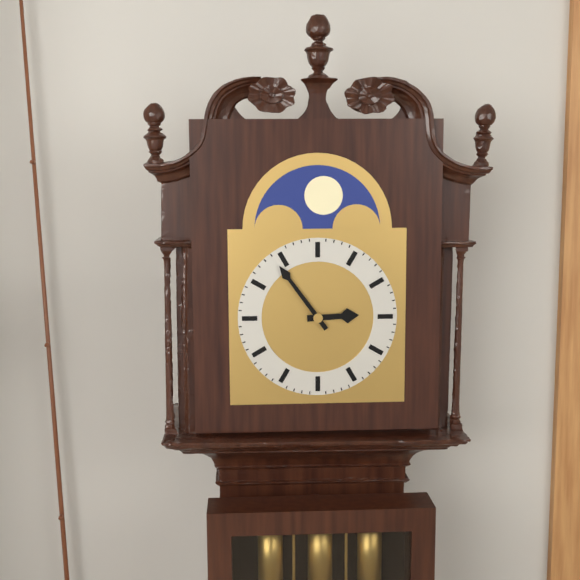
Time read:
2 h 54 min
